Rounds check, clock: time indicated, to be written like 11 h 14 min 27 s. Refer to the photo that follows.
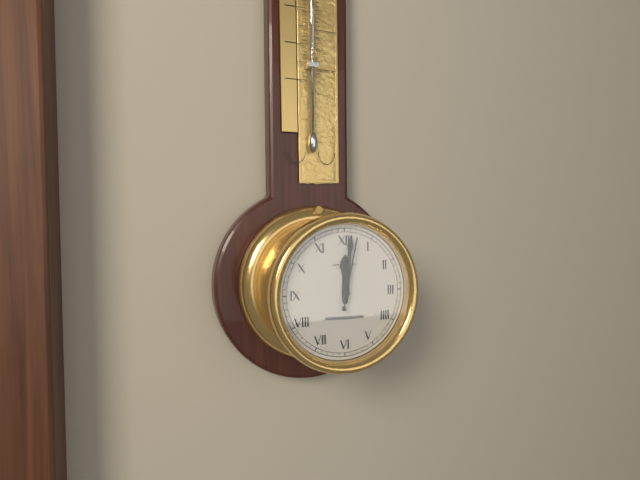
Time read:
12 h 01 min 02 s
